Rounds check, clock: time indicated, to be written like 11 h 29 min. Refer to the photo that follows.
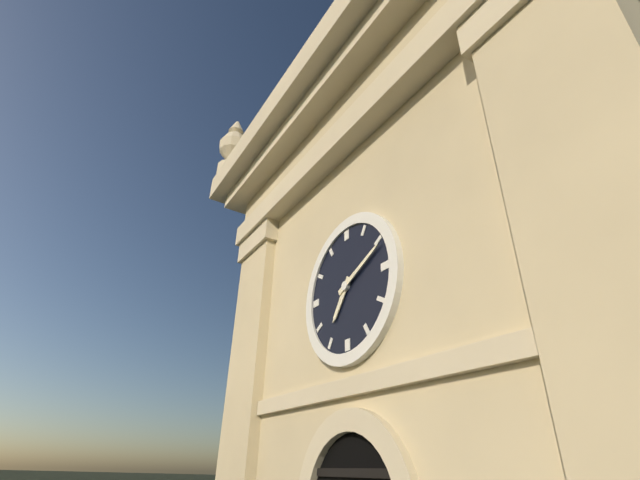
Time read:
7 h 11 min
